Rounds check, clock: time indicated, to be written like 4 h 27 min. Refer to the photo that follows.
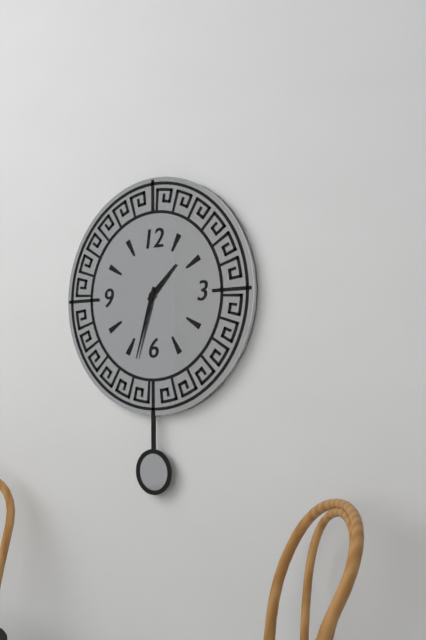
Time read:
1 h 33 min
